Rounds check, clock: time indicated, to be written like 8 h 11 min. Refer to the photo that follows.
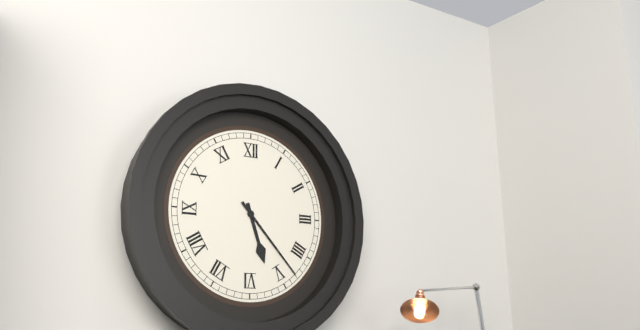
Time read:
5 h 23 min
